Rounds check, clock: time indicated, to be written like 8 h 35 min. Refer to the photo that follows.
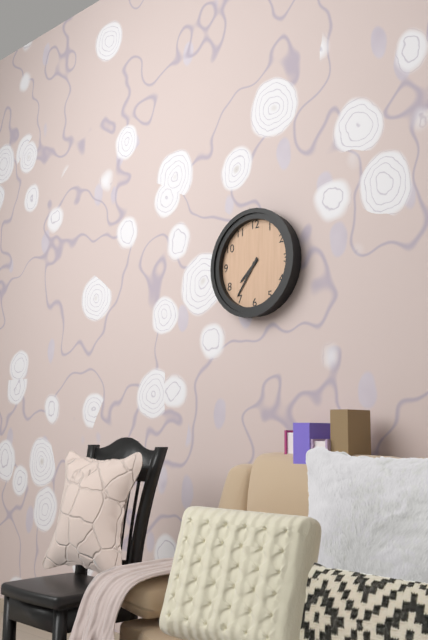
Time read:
7 h 36 min
